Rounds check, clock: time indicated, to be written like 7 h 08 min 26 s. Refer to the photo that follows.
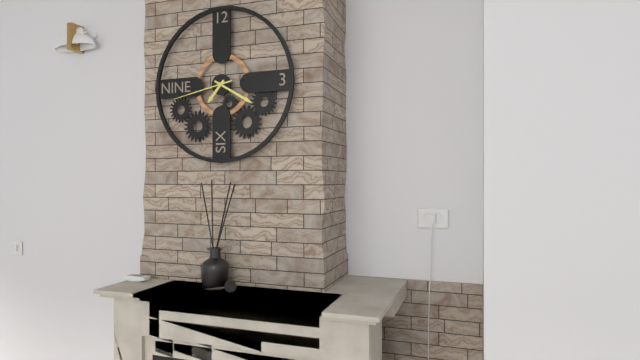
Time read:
7 h 20 min 43 s
